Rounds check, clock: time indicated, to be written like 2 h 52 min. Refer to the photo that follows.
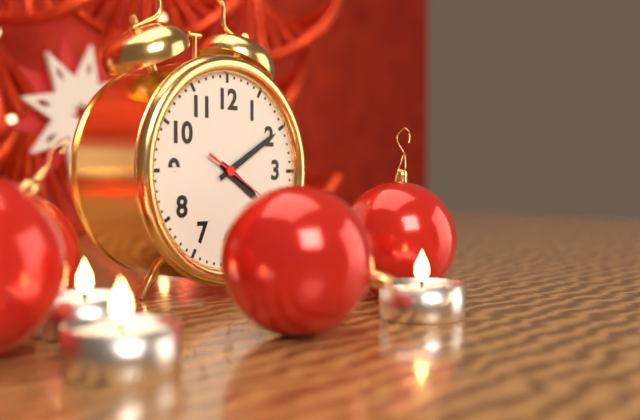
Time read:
4 h 10 min
